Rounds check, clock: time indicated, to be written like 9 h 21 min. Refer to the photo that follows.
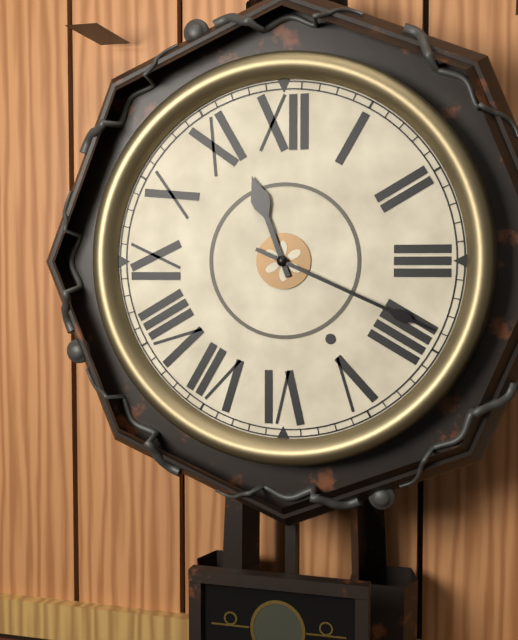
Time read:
11 h 19 min
